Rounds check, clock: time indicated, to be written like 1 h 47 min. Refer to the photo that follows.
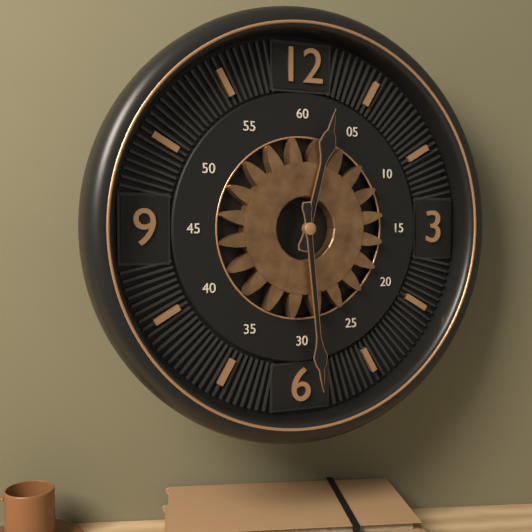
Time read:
12 h 29 min
